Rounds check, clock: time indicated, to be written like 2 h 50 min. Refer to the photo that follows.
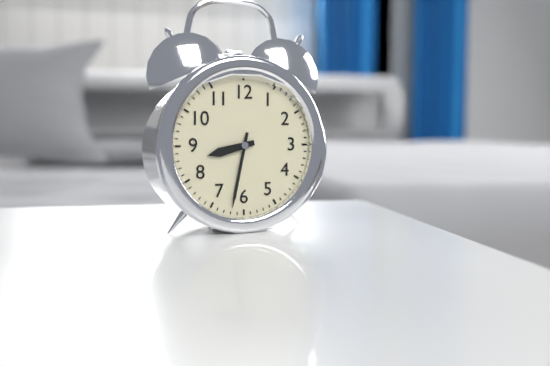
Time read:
8 h 32 min
